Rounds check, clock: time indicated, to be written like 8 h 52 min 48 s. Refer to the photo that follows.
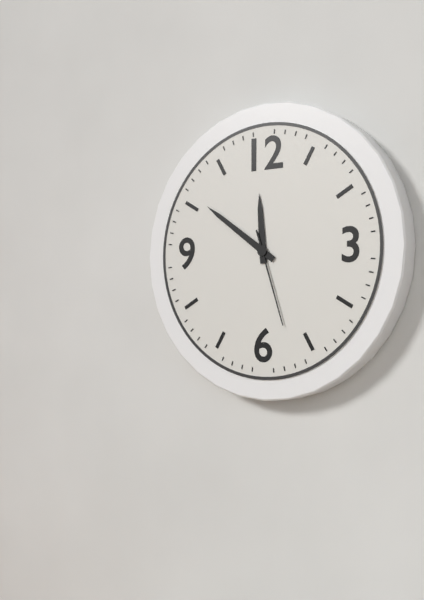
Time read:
11 h 51 min 27 s
